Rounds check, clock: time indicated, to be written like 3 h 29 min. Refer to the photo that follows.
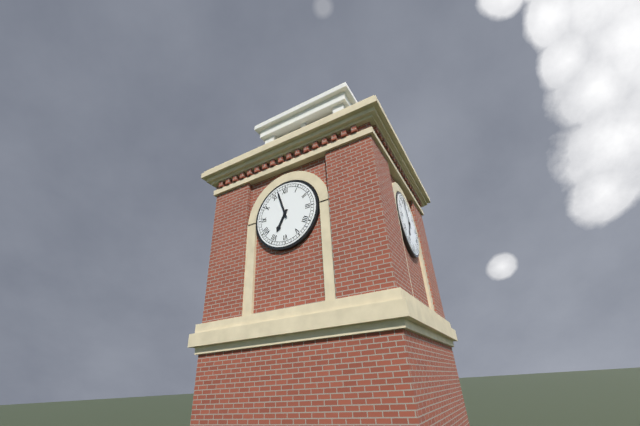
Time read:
6 h 57 min
